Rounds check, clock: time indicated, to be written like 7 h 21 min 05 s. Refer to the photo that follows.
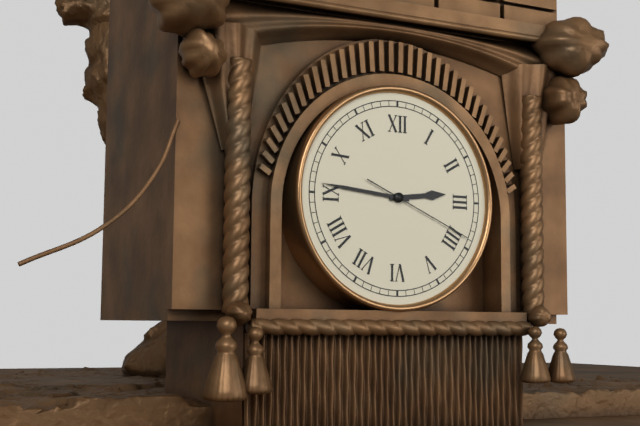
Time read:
2 h 46 min 19 s
